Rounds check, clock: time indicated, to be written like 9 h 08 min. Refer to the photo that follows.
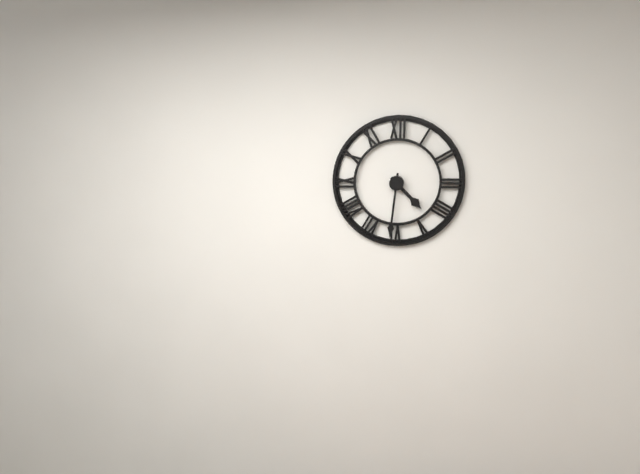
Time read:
4 h 31 min
